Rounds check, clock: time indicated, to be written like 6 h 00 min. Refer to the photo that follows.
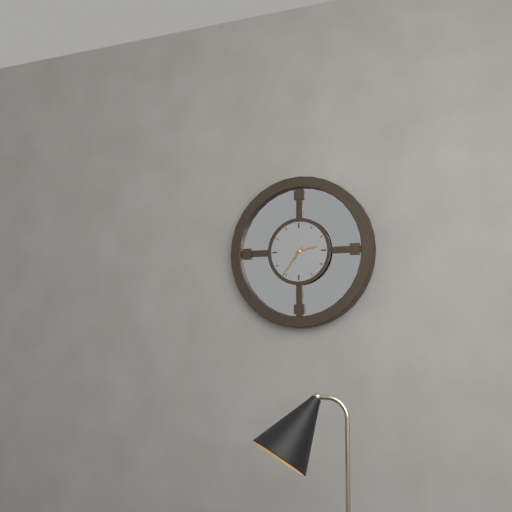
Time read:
2 h 36 min
